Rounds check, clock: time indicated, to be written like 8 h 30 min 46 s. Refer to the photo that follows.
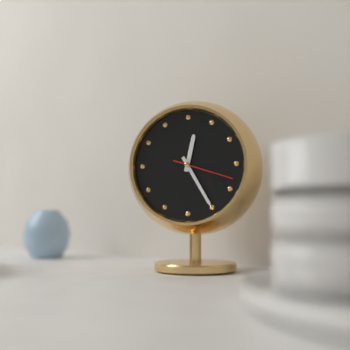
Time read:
12 h 25 min 18 s
